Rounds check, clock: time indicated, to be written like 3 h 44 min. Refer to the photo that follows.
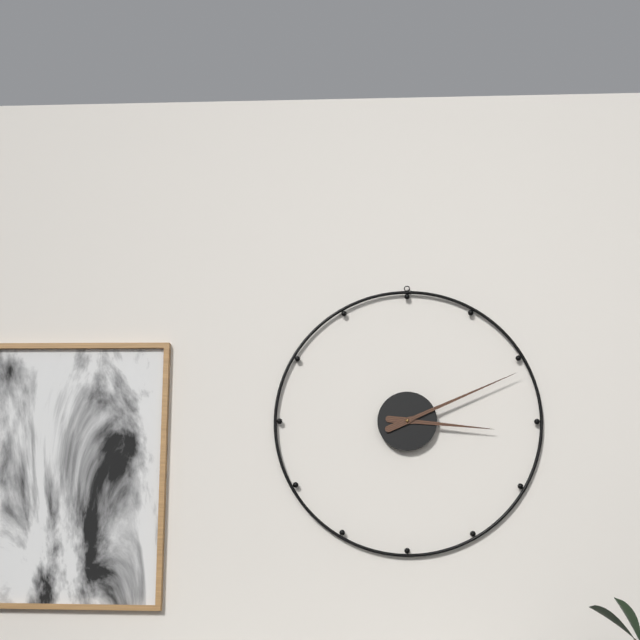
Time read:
3 h 11 min
